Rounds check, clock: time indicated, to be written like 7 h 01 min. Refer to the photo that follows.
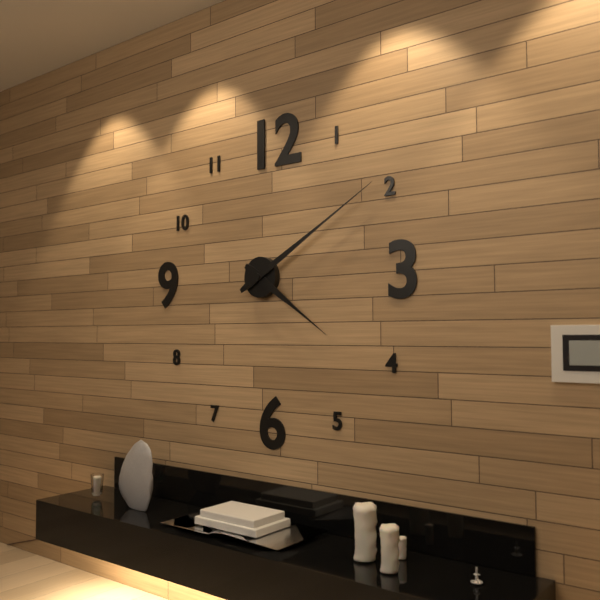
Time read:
4 h 10 min
